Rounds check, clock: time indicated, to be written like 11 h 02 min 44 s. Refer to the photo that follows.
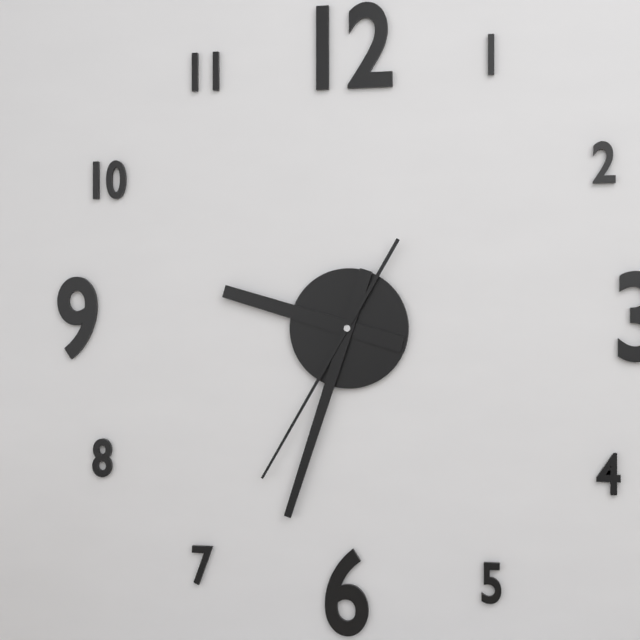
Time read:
9 h 33 min 35 s
